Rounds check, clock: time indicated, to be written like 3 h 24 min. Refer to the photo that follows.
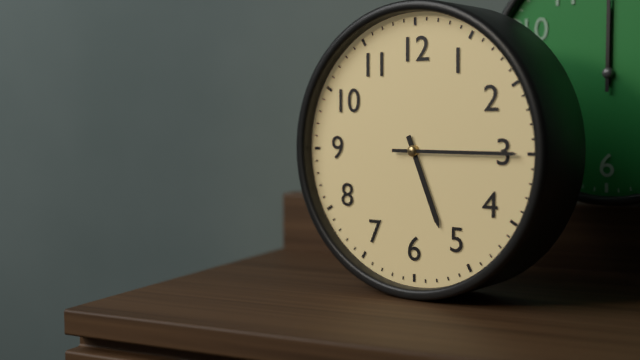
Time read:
5 h 15 min
